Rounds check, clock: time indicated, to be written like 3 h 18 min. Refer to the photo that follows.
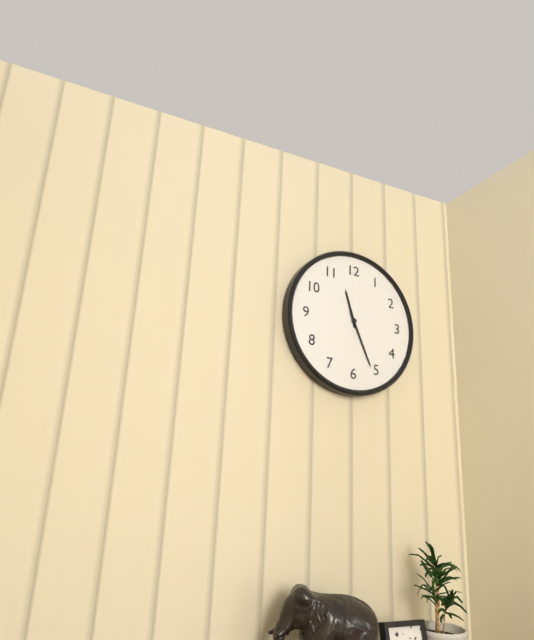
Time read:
11 h 26 min
